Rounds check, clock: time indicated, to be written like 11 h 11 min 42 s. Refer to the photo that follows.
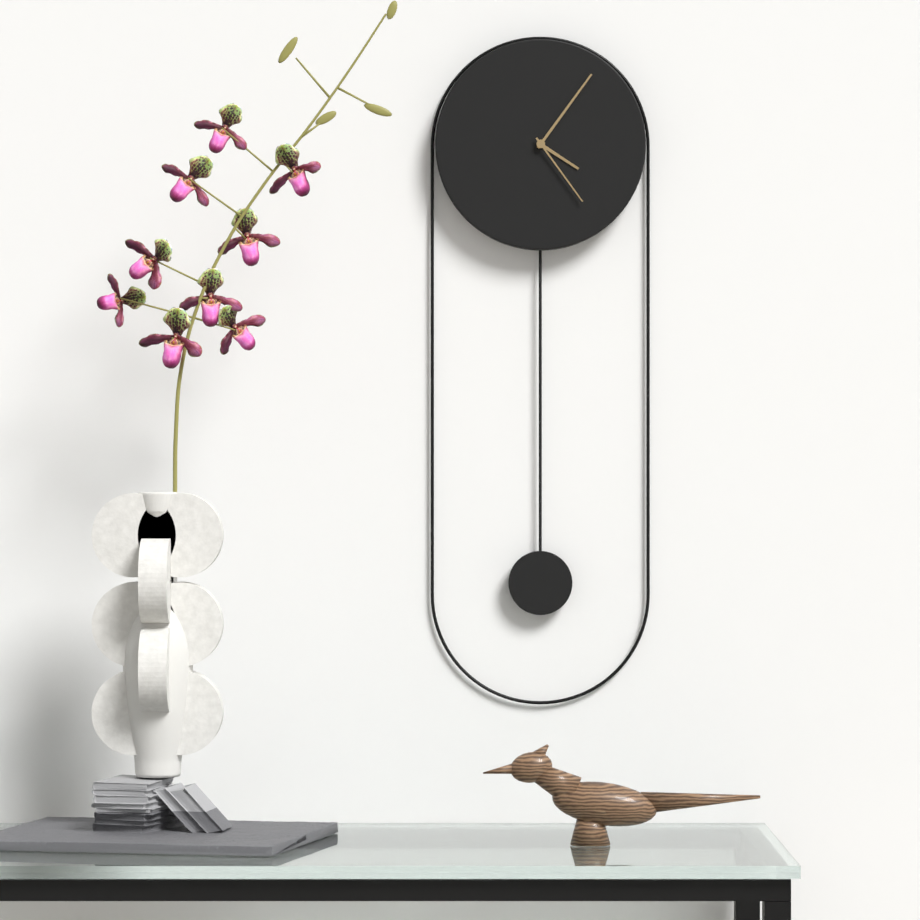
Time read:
4 h 06 min 24 s
